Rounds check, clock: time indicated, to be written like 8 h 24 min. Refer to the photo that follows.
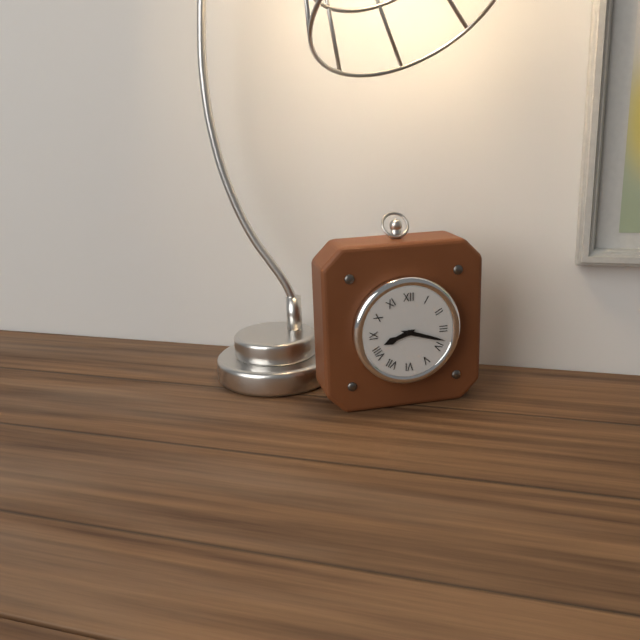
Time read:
8 h 18 min
